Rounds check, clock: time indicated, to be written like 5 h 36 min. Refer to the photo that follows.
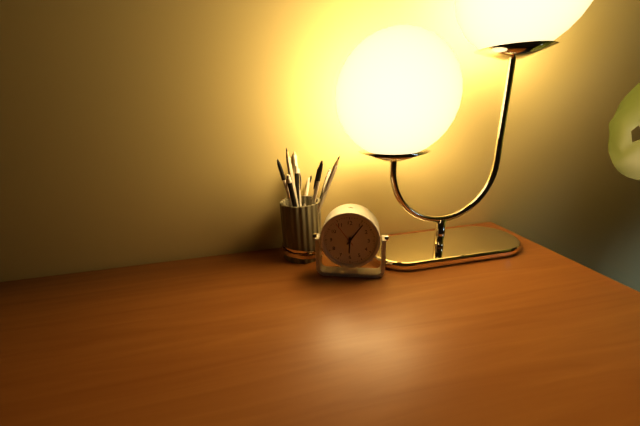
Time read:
6 h 06 min
